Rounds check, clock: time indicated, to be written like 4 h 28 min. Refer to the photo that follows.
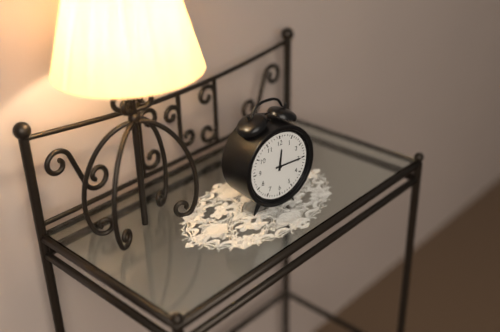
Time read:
12 h 15 min
